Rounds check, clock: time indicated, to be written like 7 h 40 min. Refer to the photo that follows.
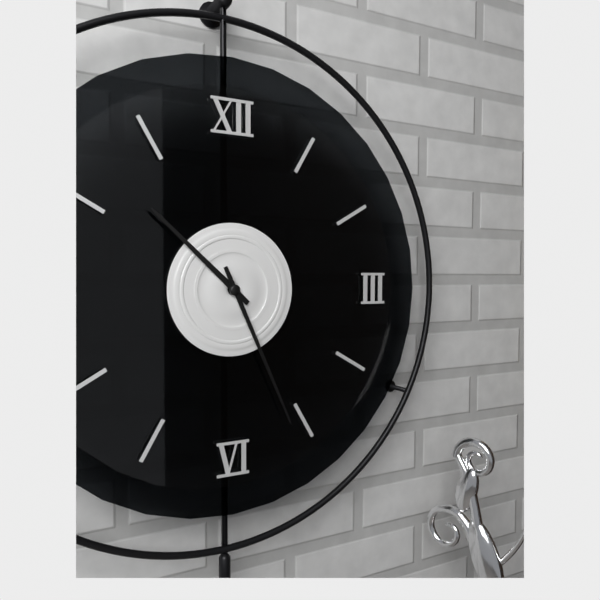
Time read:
10 h 26 min
